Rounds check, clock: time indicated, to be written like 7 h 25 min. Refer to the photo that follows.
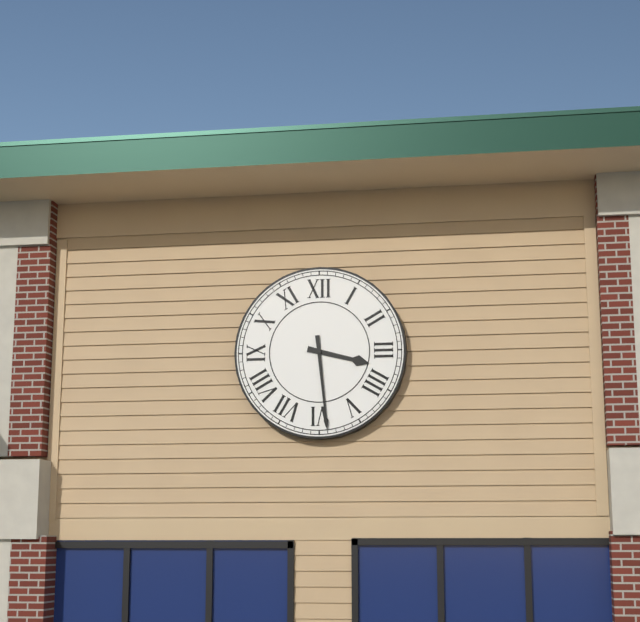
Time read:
3 h 29 min
